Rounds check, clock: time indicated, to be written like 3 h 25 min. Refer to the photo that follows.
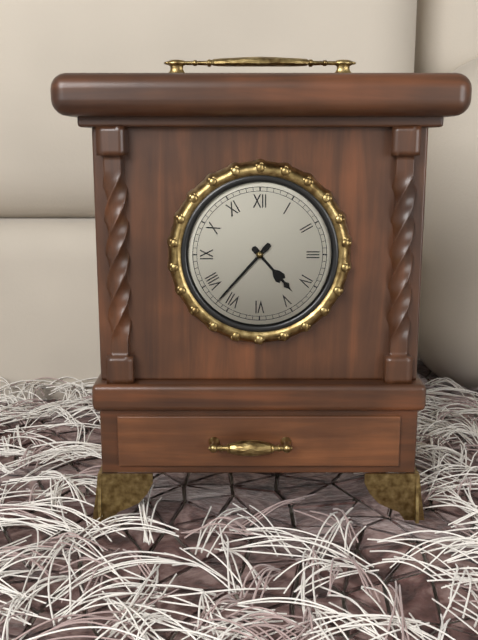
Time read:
4 h 37 min
